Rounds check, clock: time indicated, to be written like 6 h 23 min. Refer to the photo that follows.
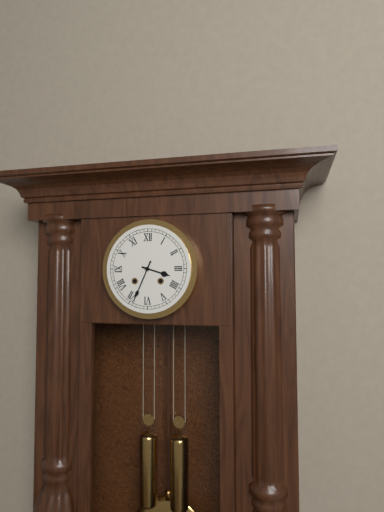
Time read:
3 h 34 min
